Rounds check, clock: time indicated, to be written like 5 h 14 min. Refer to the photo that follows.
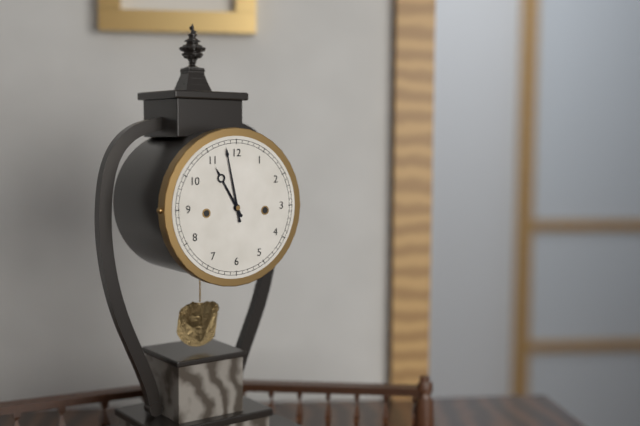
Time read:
10 h 58 min
